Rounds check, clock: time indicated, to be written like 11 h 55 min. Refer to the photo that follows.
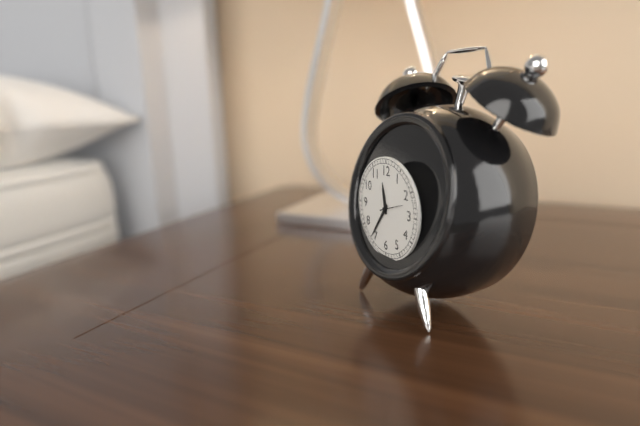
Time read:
11 h 36 min
